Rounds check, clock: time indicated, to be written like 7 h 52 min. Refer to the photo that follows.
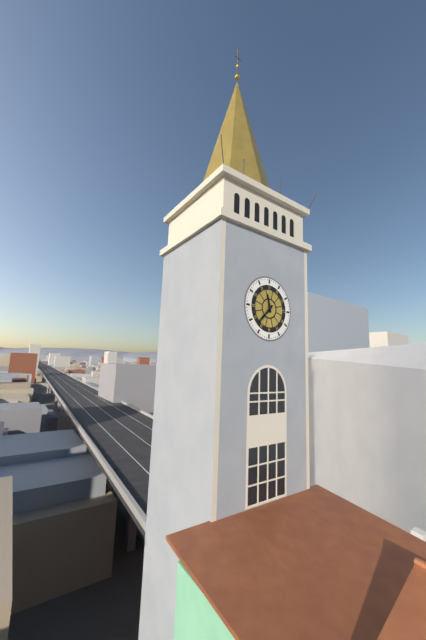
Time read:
11 h 37 min
